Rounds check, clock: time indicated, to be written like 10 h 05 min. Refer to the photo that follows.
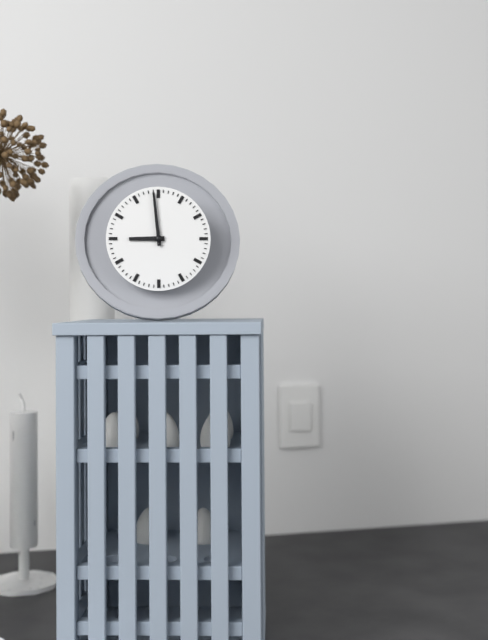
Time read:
8 h 59 min
